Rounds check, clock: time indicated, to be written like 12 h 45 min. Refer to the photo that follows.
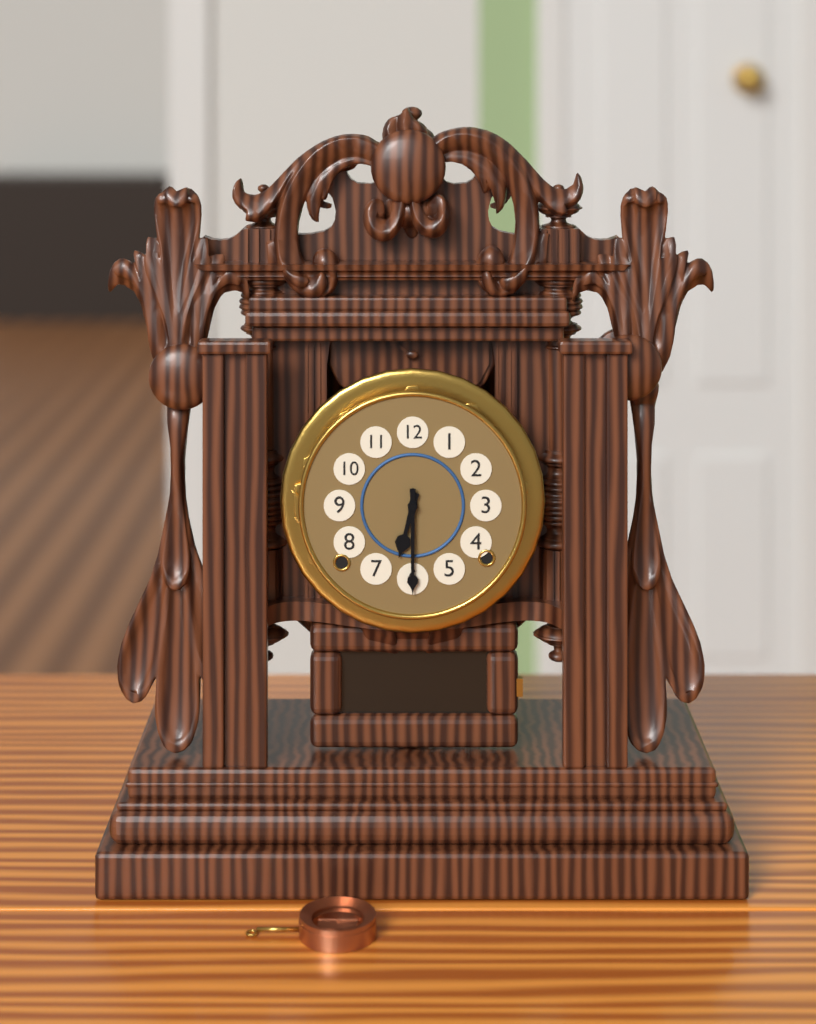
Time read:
6 h 30 min
